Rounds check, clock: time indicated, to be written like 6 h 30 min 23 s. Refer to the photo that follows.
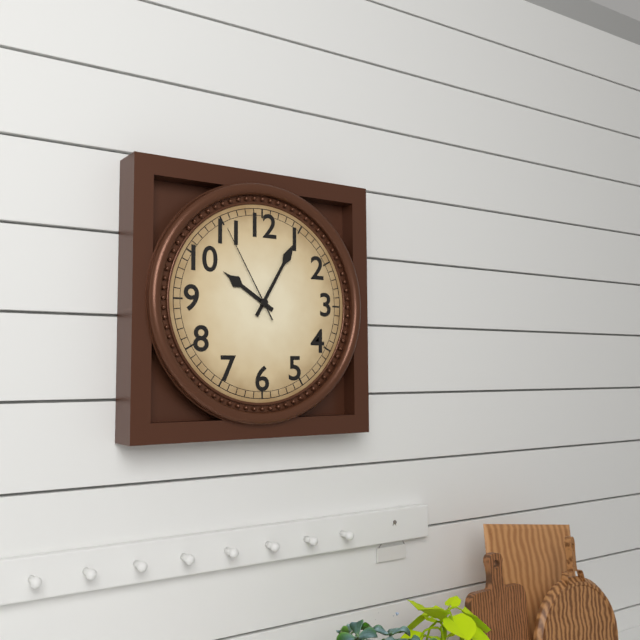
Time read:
10 h 05 min 55 s
